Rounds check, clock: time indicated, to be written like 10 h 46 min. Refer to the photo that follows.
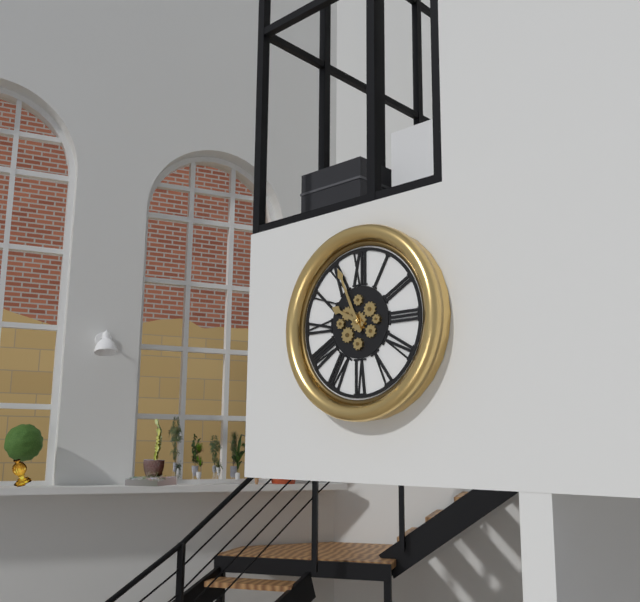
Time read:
9 h 56 min
